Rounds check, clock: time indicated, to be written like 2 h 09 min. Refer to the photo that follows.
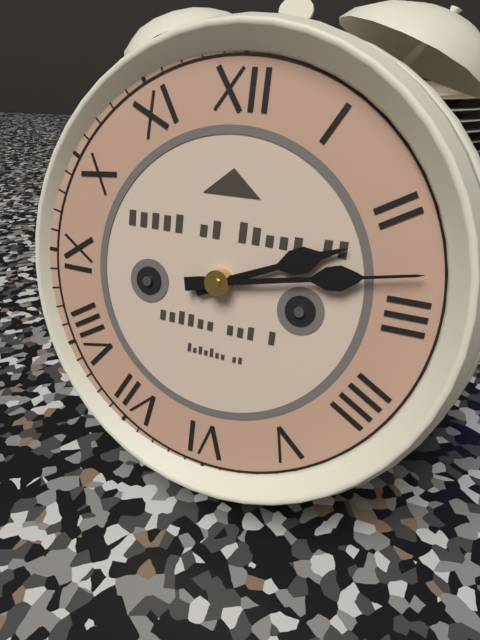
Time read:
2 h 13 min
